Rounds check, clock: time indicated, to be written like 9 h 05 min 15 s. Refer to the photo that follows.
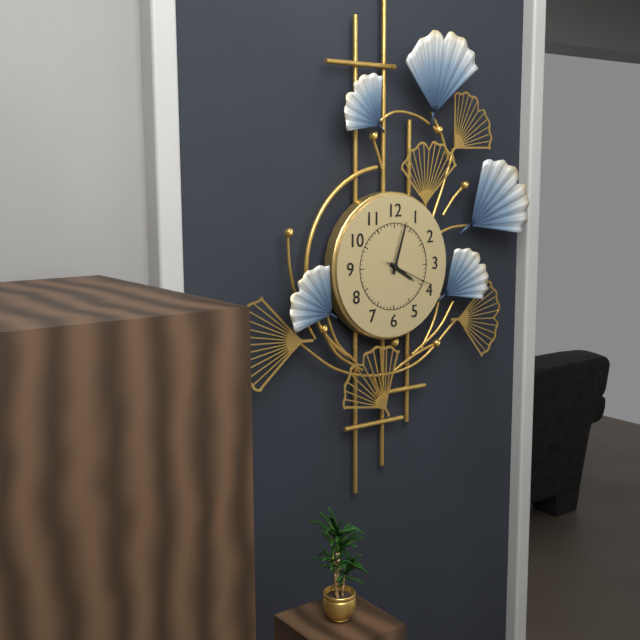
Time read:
4 h 03 min 19 s
